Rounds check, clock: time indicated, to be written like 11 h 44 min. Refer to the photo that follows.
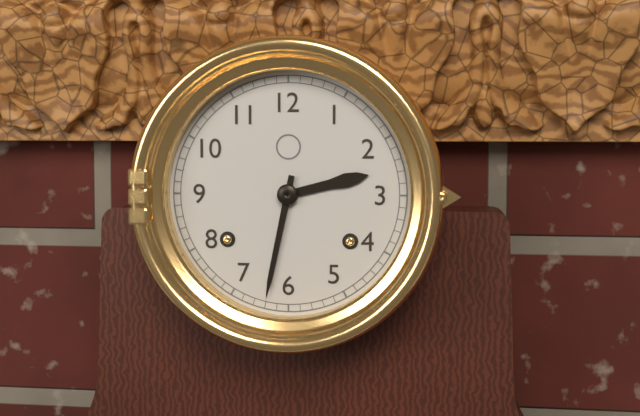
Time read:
2 h 32 min
